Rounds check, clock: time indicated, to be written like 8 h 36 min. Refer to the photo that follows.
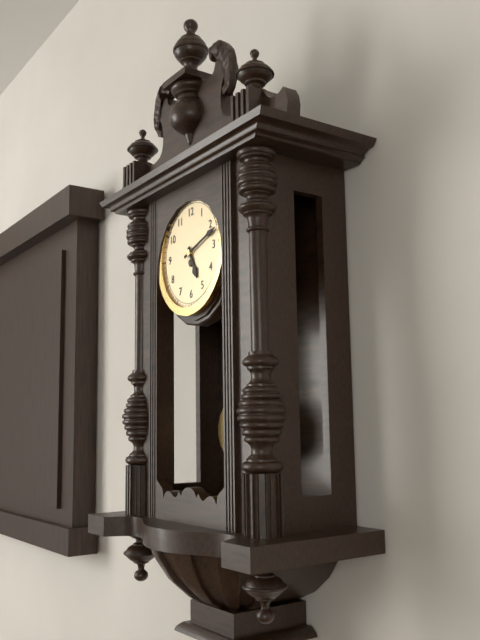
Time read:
5 h 12 min
